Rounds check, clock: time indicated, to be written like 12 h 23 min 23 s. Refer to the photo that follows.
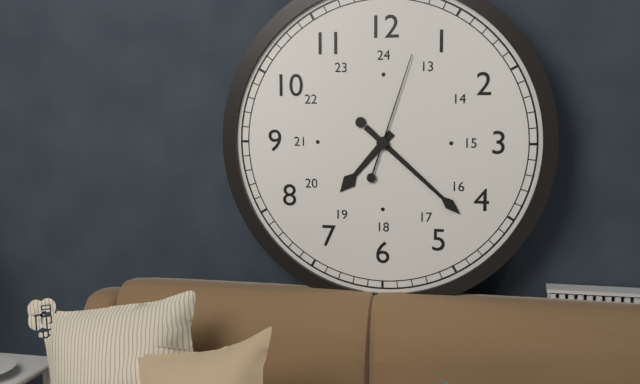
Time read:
7 h 22 min 03 s
